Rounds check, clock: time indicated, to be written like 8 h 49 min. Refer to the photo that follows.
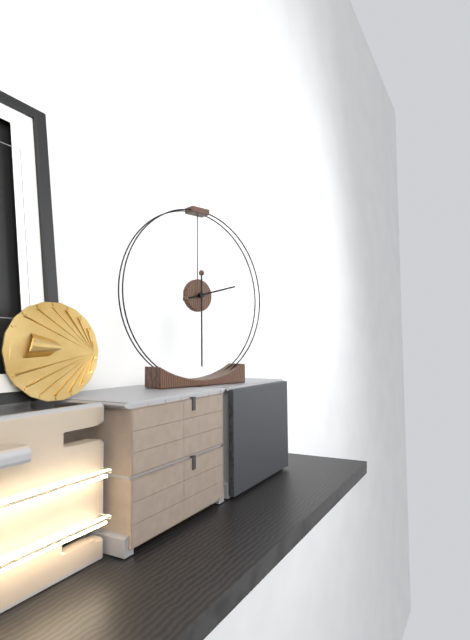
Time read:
2 h 30 min
